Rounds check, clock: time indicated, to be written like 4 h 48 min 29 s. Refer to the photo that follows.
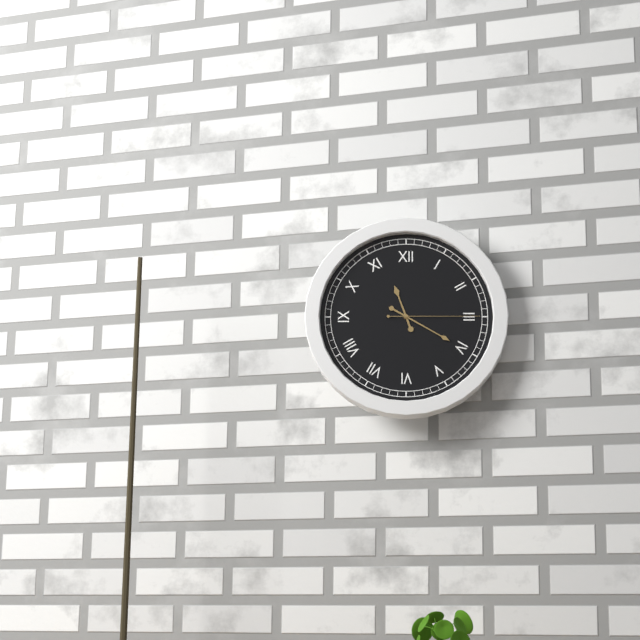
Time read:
11 h 20 min 15 s
